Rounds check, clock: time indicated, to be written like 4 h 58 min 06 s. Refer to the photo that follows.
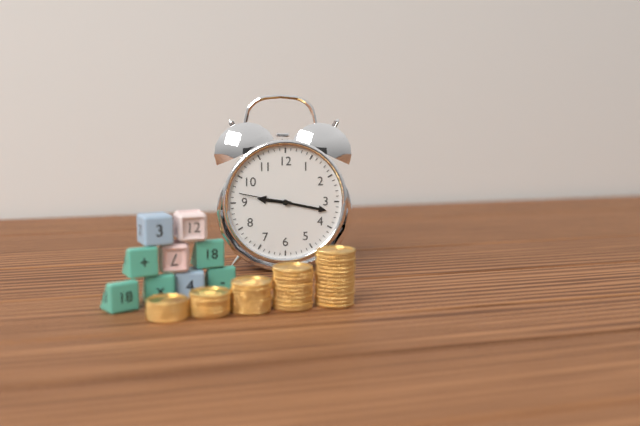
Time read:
9 h 17 min 47 s
